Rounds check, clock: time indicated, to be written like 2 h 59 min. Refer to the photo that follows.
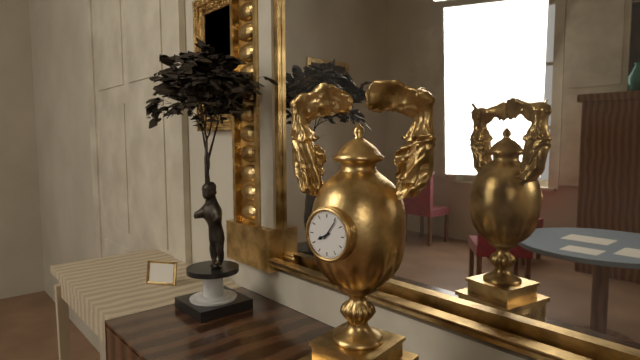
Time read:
8 h 06 min
